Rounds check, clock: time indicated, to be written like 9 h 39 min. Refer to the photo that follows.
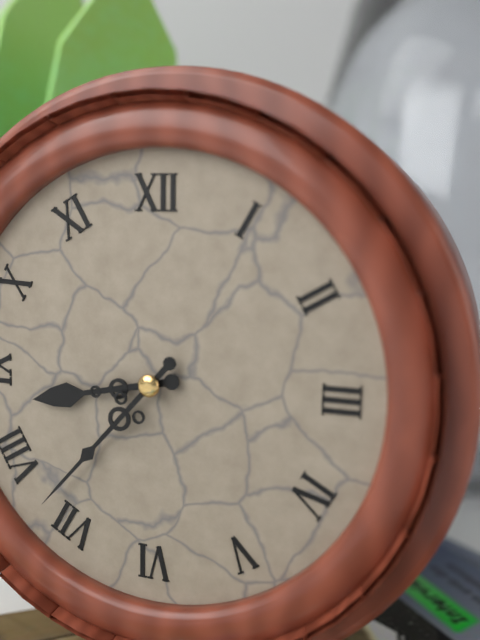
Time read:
8 h 37 min
